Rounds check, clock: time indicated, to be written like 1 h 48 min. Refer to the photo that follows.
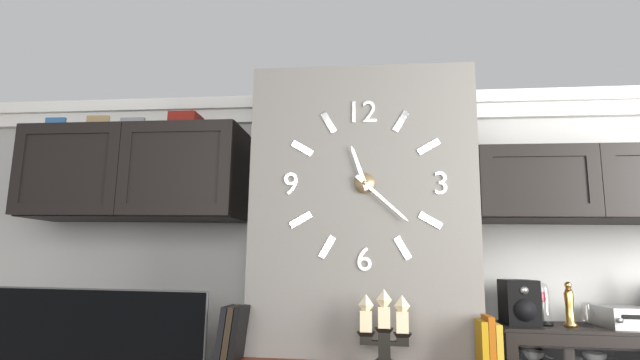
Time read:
11 h 22 min
